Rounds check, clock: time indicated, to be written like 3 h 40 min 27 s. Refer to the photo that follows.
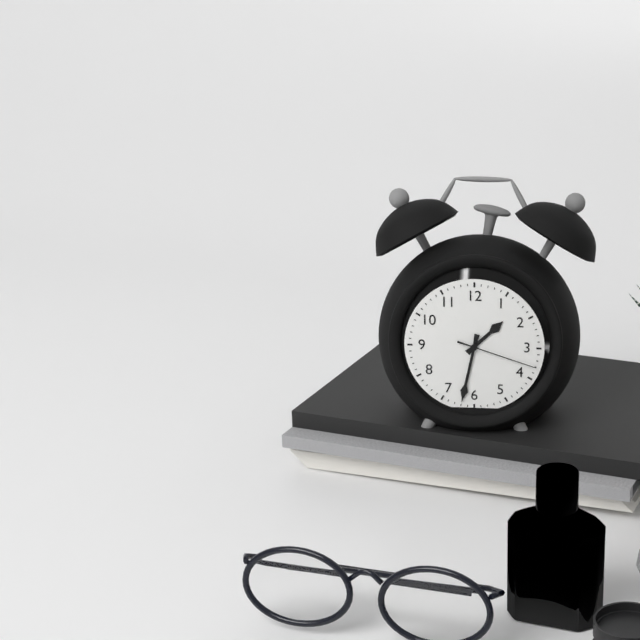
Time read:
1 h 32 min 18 s
